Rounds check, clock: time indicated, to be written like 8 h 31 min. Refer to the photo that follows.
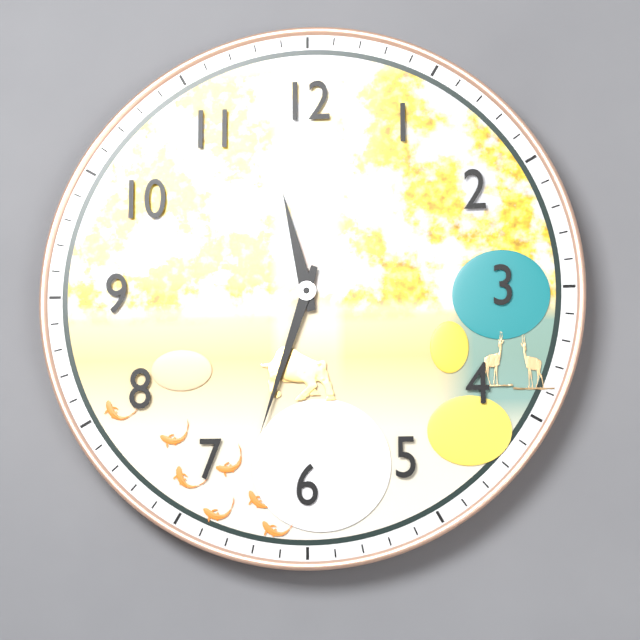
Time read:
11 h 33 min
